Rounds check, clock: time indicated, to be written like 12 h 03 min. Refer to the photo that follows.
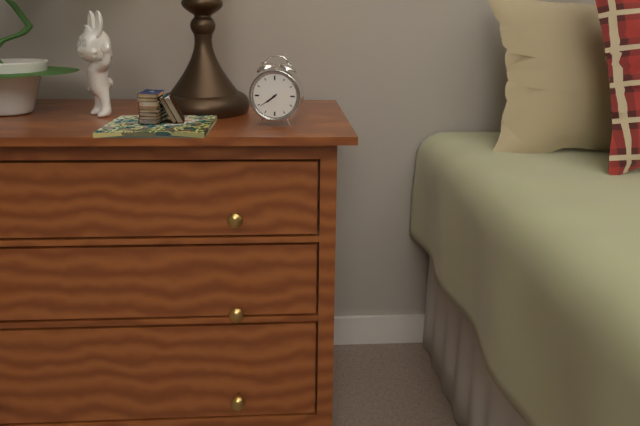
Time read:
7 h 39 min
